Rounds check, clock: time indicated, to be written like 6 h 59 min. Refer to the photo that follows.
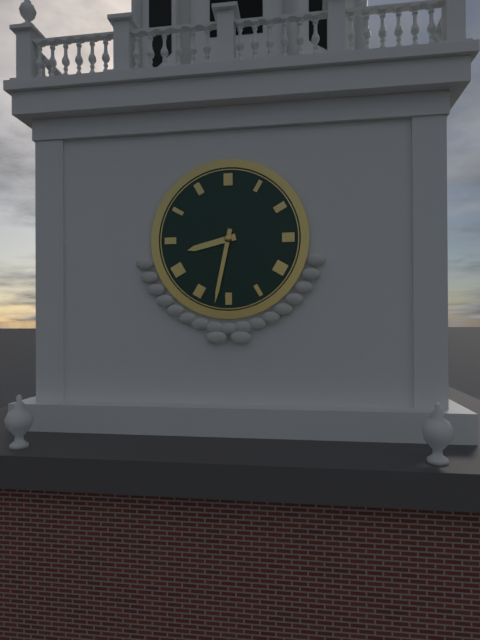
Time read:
8 h 32 min
